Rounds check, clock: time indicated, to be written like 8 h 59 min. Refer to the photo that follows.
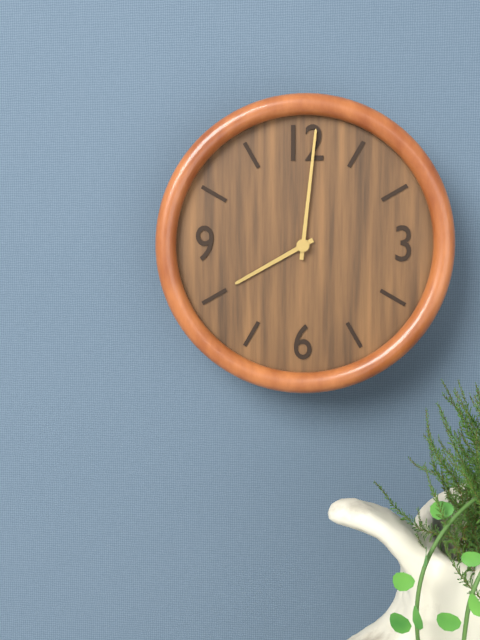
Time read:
8 h 01 min
